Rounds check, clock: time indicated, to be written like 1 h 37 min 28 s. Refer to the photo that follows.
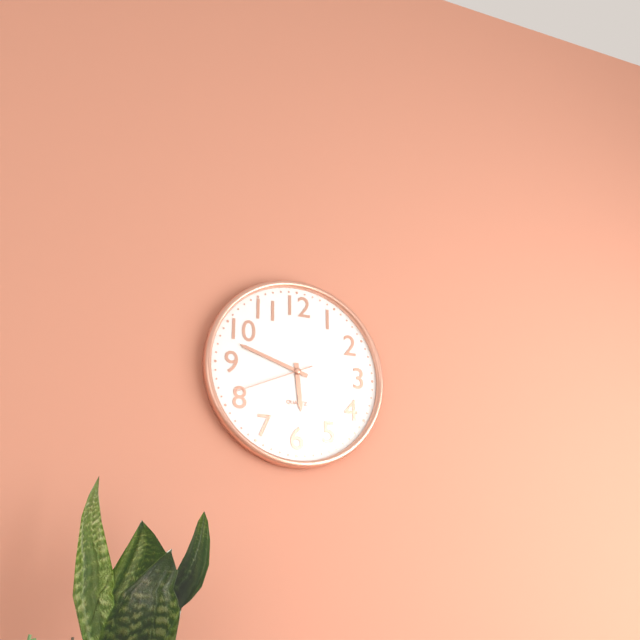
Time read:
5 h 48 min 41 s
